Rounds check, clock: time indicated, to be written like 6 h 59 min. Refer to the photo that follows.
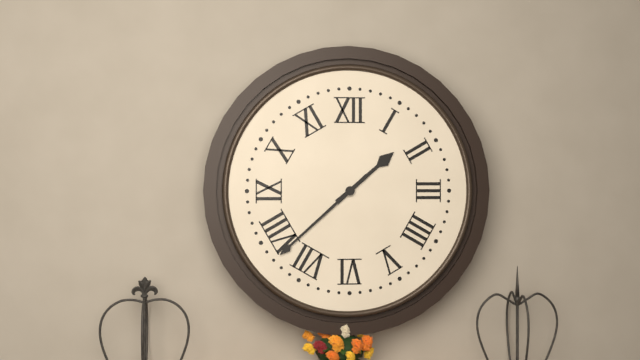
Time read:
1 h 38 min
